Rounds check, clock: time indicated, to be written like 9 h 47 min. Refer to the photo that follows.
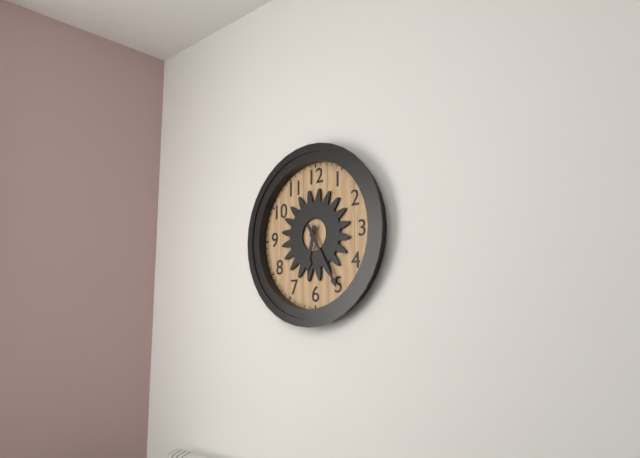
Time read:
6 h 25 min
